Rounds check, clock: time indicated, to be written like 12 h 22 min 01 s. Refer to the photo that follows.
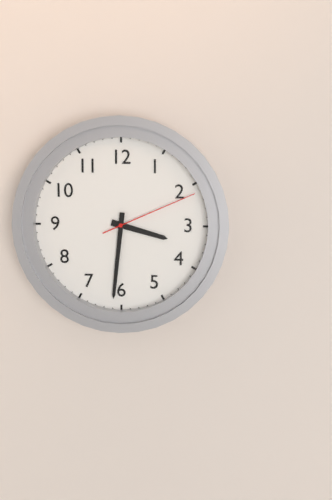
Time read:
3 h 31 min 11 s
